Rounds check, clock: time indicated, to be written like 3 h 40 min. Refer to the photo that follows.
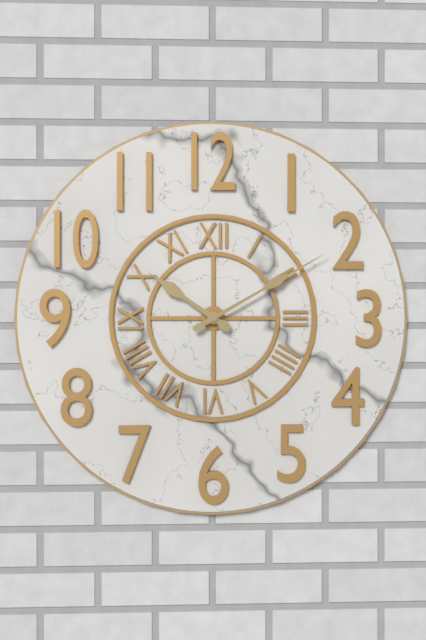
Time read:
10 h 10 min
